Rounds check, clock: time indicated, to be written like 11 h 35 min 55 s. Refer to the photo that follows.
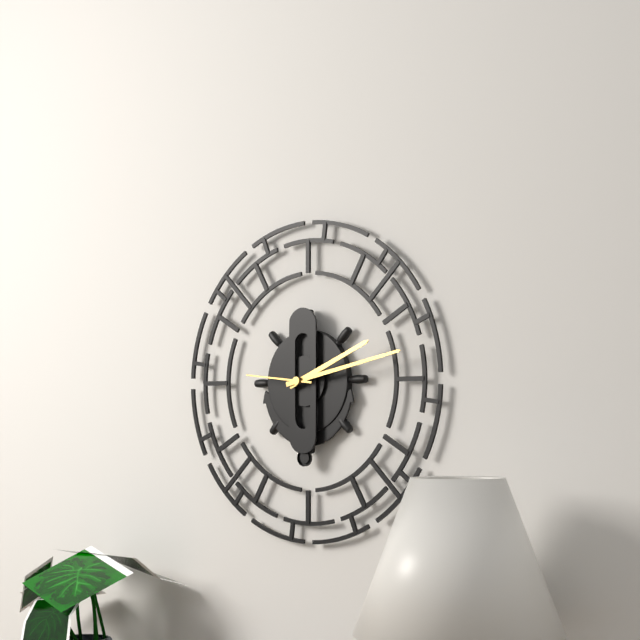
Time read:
2 h 13 min 46 s
